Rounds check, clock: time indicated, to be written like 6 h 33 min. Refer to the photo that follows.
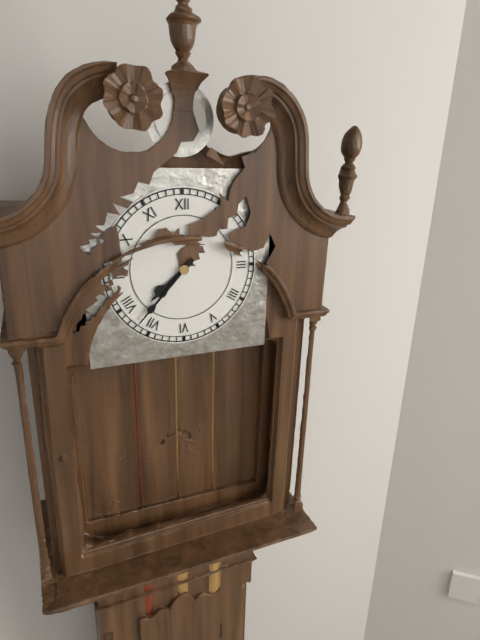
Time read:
7 h 37 min
